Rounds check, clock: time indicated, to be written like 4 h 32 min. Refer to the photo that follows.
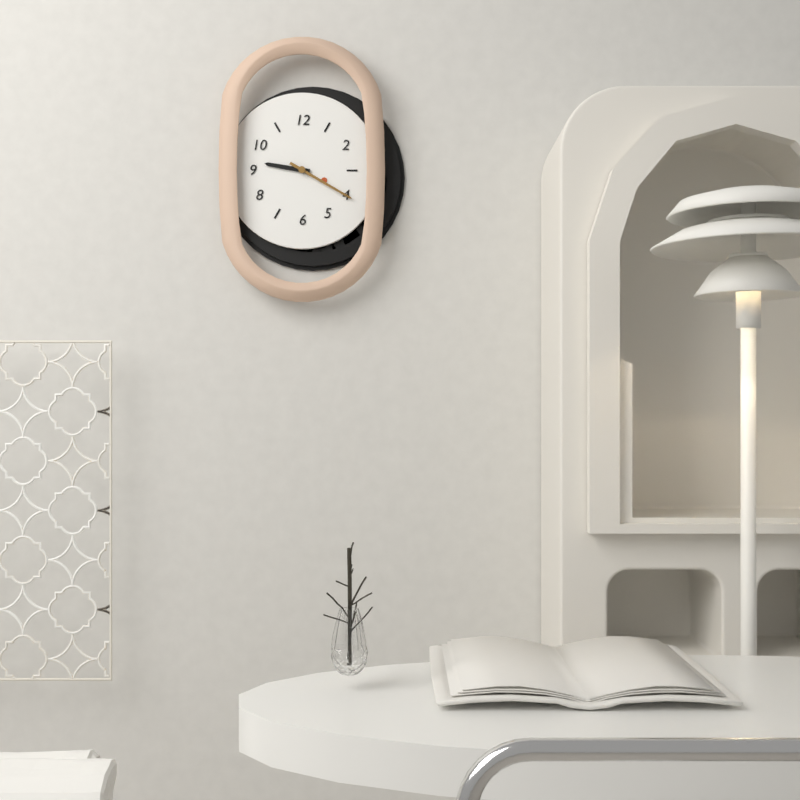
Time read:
9 h 20 min
